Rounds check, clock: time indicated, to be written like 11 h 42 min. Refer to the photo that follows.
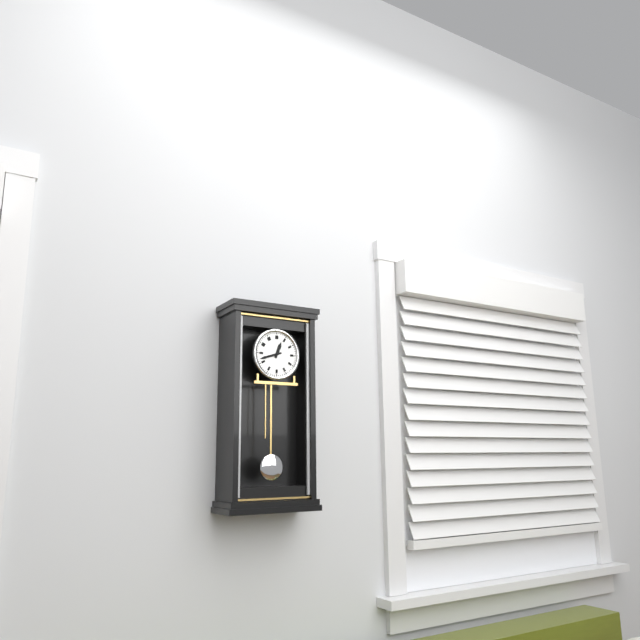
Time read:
12 h 42 min
